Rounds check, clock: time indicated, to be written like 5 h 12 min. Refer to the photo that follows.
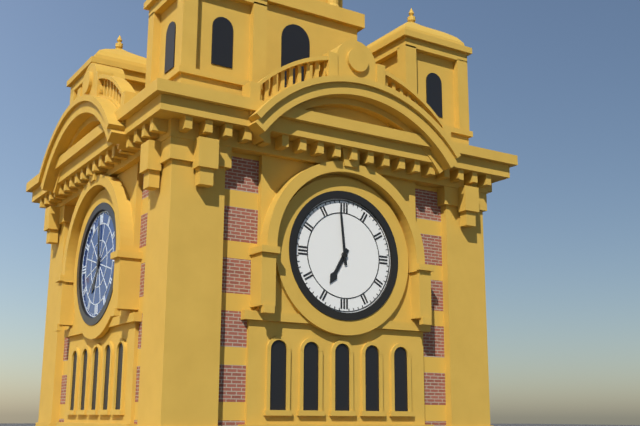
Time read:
6 h 59 min
